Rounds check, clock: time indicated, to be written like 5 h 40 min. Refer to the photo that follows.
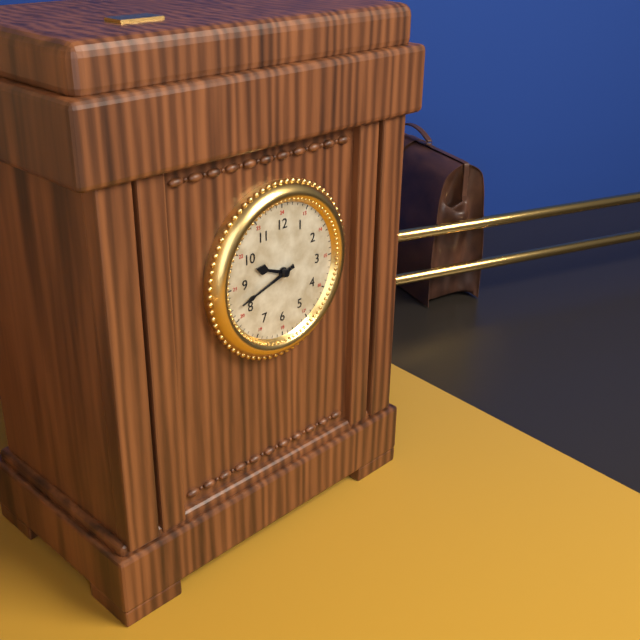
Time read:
9 h 42 min
